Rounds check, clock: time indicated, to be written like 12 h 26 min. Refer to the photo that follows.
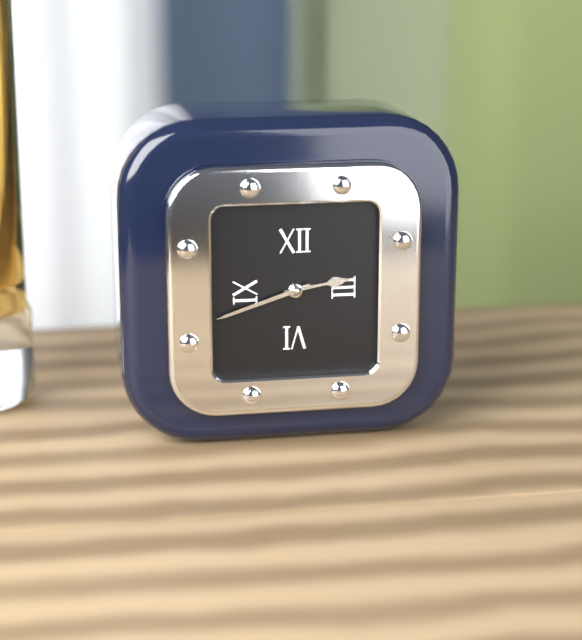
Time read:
2 h 42 min
